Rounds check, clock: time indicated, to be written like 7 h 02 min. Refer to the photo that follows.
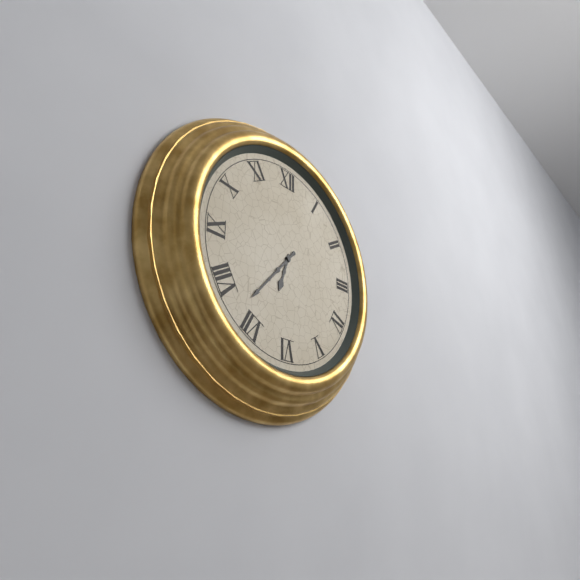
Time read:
6 h 37 min
